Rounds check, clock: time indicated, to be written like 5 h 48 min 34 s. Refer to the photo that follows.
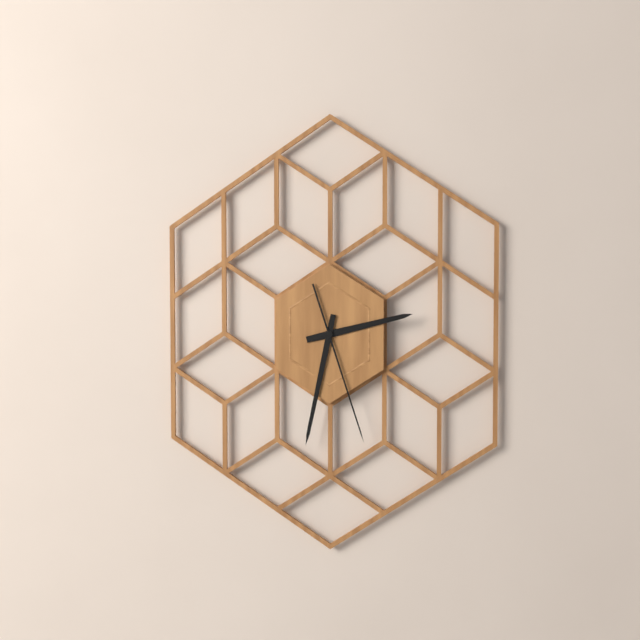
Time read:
2 h 32 min 27 s
